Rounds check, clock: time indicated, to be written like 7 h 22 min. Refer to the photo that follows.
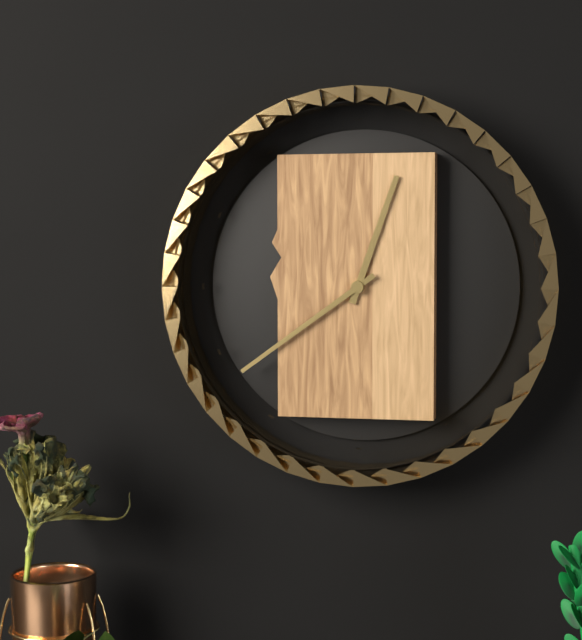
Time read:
12 h 39 min
